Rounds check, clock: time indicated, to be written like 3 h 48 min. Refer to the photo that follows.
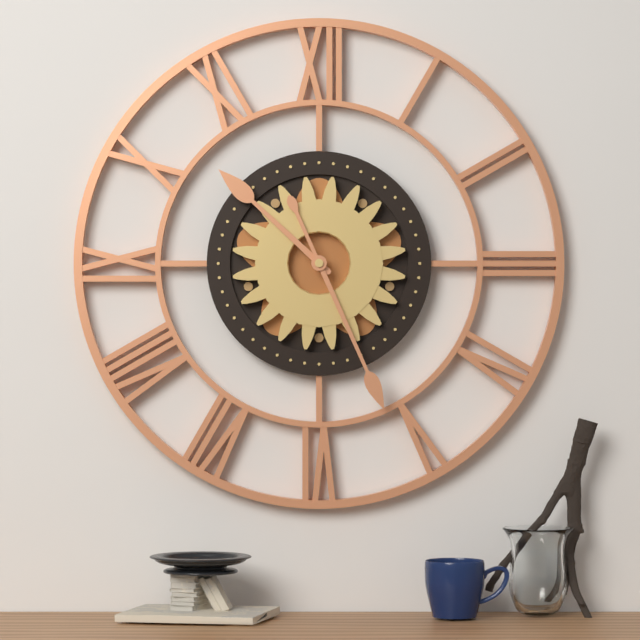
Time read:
10 h 26 min
